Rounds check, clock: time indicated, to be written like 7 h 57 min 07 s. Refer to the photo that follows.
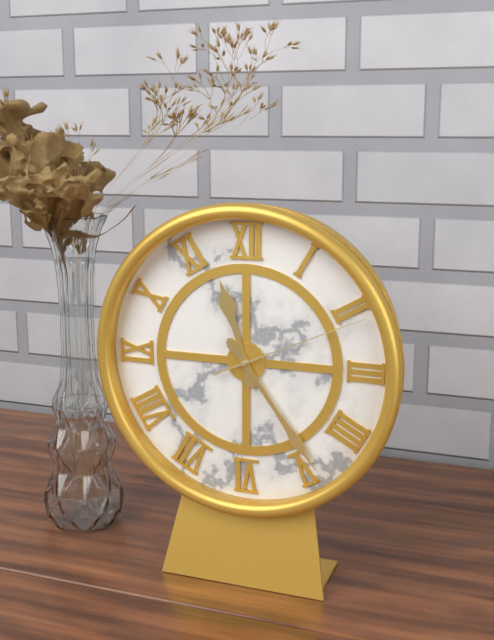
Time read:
11 h 24 min 11 s
